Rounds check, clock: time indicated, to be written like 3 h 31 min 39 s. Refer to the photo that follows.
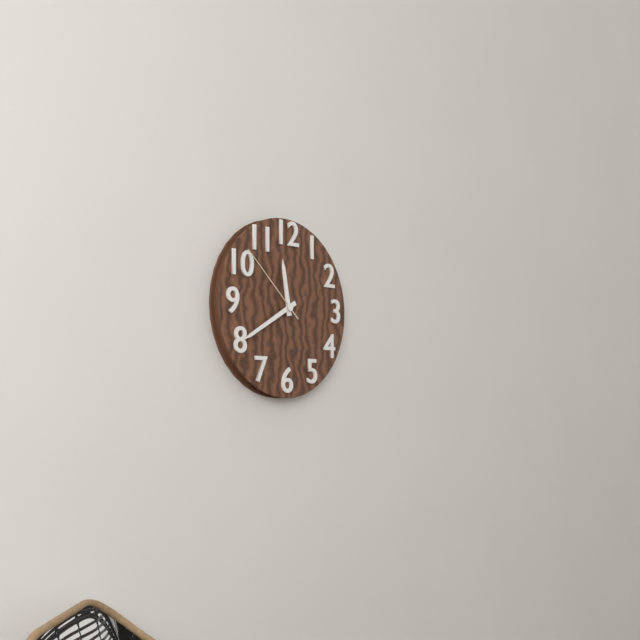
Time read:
11 h 40 min 52 s
